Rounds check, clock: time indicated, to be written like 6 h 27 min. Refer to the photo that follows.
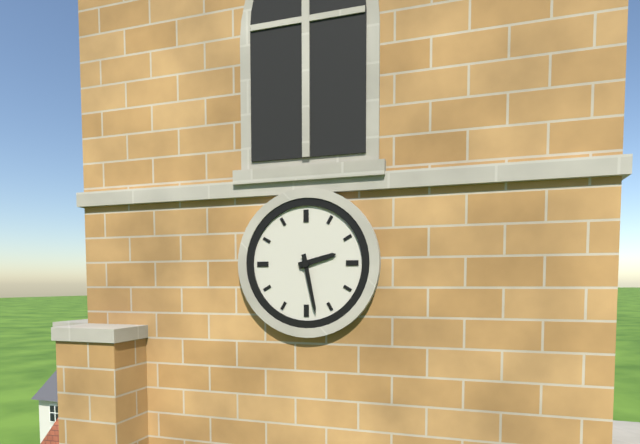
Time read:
2 h 28 min
